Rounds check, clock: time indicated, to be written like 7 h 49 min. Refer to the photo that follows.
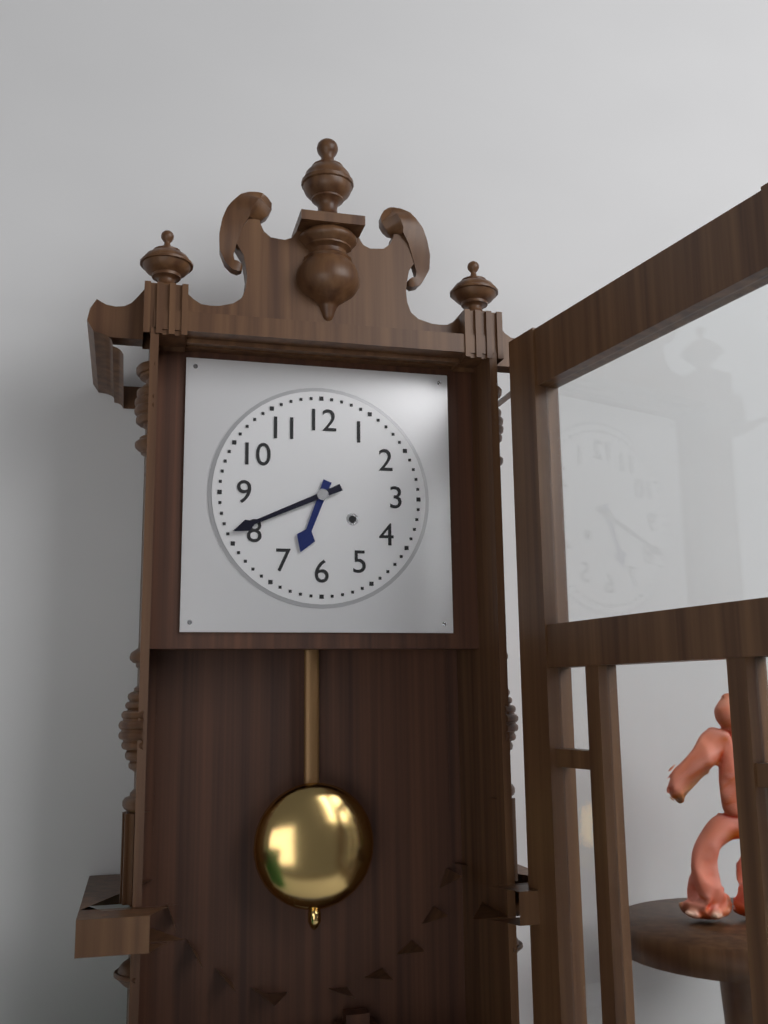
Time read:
6 h 41 min
